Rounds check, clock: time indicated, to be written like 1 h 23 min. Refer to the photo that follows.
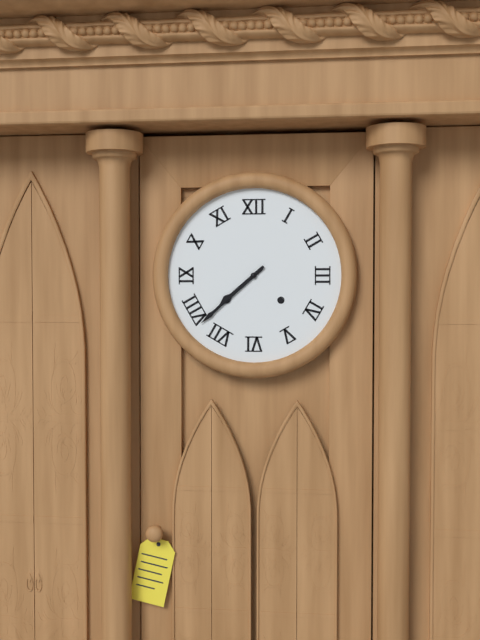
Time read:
7 h 38 min
